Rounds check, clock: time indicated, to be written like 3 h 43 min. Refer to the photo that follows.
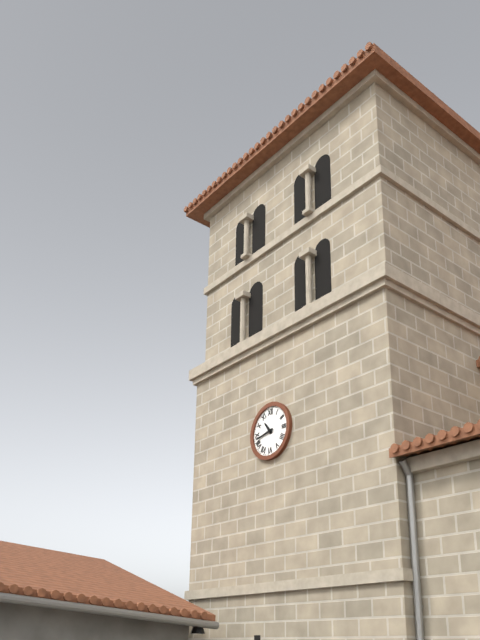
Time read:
10 h 43 min
